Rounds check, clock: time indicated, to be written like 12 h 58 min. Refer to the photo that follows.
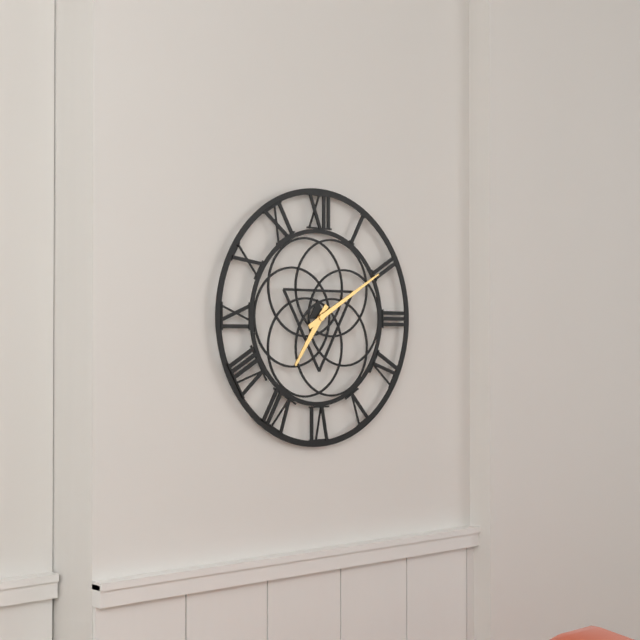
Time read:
7 h 10 min
